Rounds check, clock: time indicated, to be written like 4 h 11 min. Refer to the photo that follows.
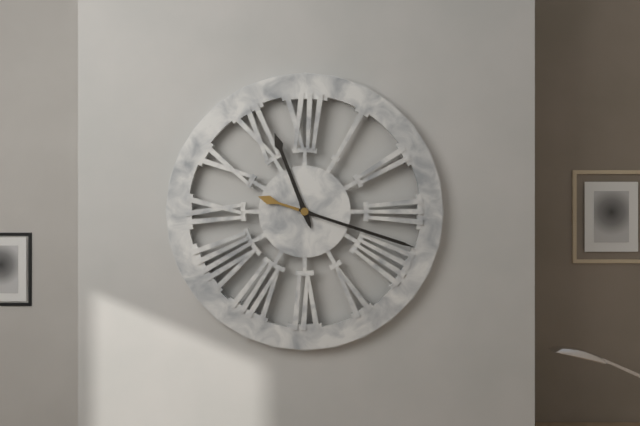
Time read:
11 h 18 min
